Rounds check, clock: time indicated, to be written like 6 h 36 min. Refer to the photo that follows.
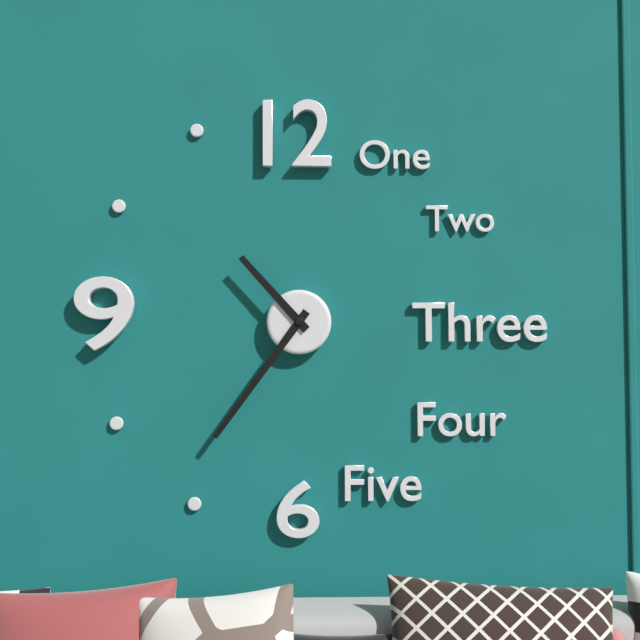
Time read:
10 h 36 min
